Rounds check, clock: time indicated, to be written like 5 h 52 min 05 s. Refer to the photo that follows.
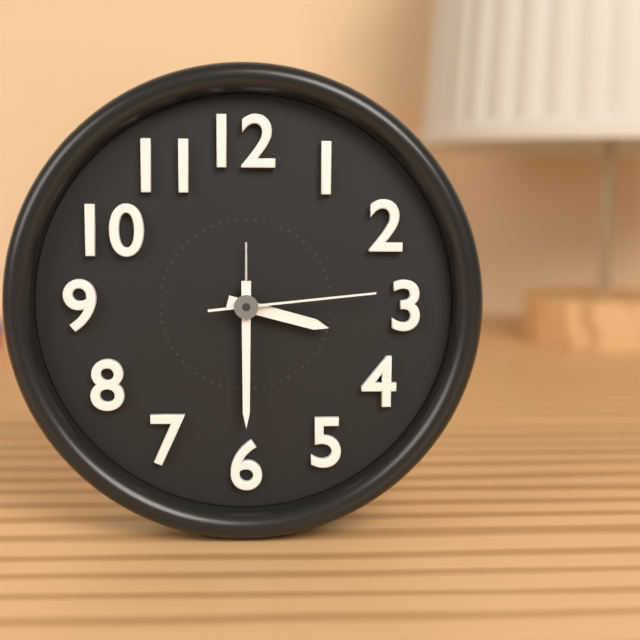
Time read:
3 h 30 min 14 s
